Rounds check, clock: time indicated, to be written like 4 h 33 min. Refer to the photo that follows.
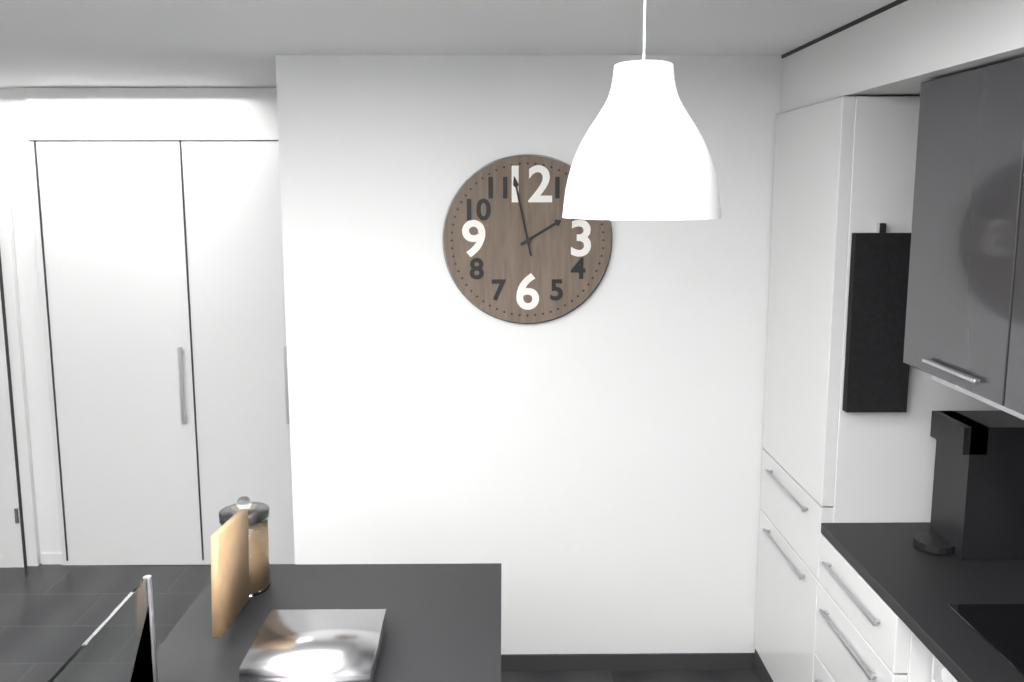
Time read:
1 h 58 min
